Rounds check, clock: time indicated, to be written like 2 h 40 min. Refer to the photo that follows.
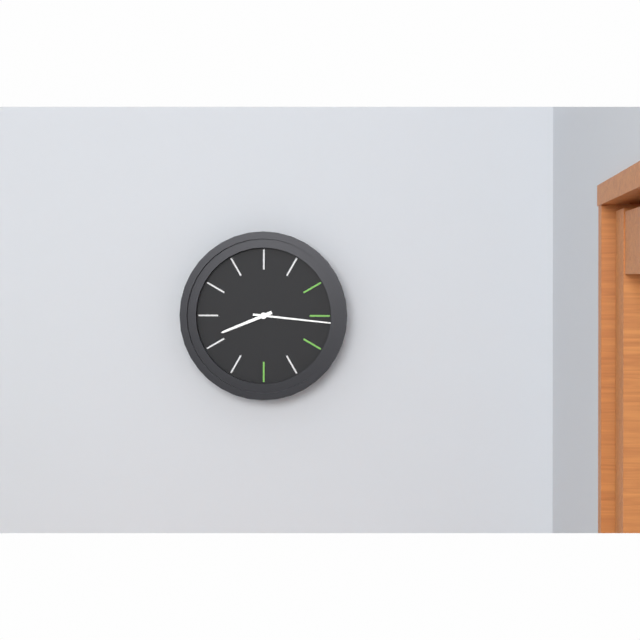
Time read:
8 h 16 min
